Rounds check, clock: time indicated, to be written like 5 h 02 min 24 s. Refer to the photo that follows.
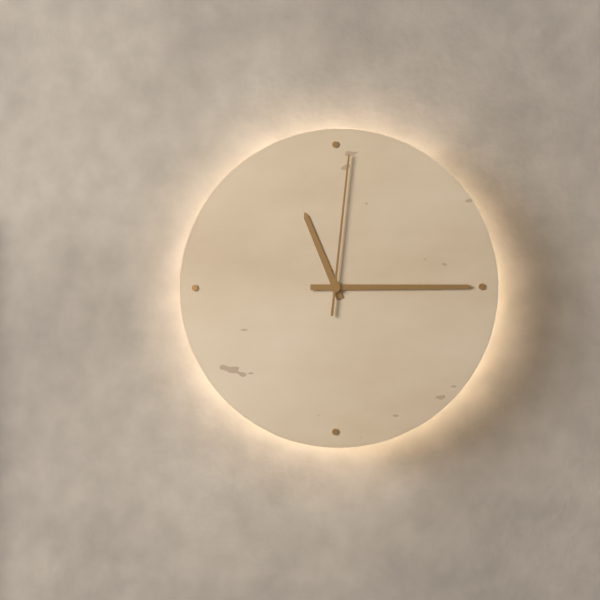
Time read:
11 h 15 min 01 s
